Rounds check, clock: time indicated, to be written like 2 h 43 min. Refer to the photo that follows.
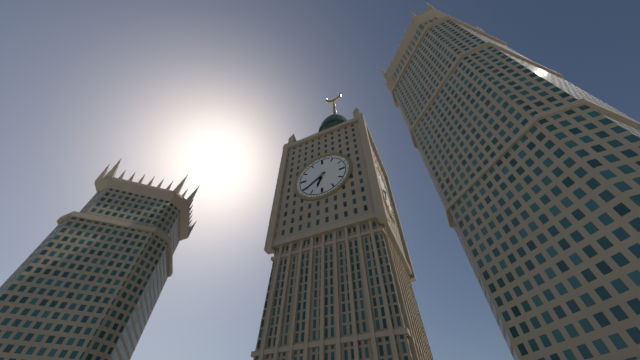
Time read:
6 h 39 min
